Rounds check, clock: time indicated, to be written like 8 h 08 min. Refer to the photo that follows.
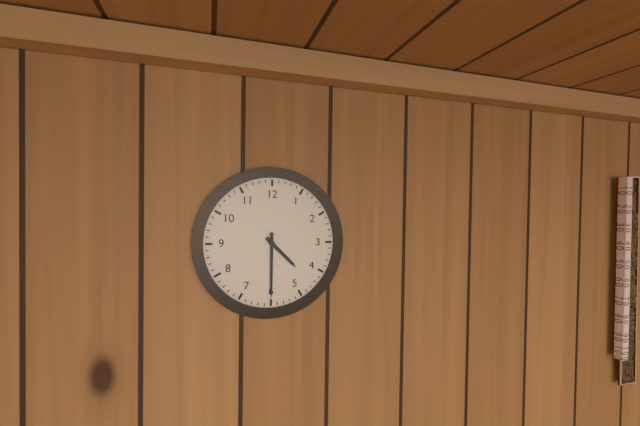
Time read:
4 h 30 min
